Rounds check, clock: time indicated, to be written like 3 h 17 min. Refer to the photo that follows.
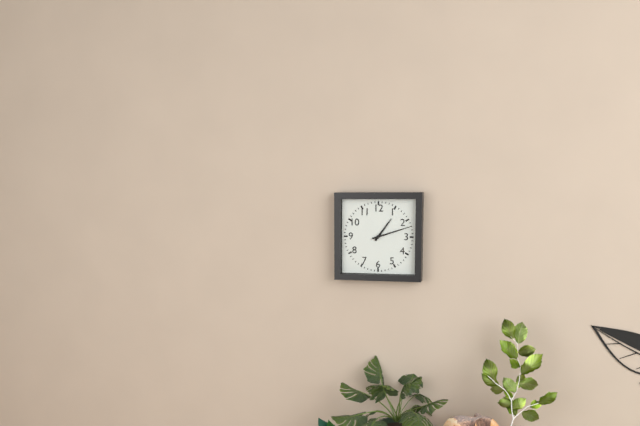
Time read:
1 h 12 min
